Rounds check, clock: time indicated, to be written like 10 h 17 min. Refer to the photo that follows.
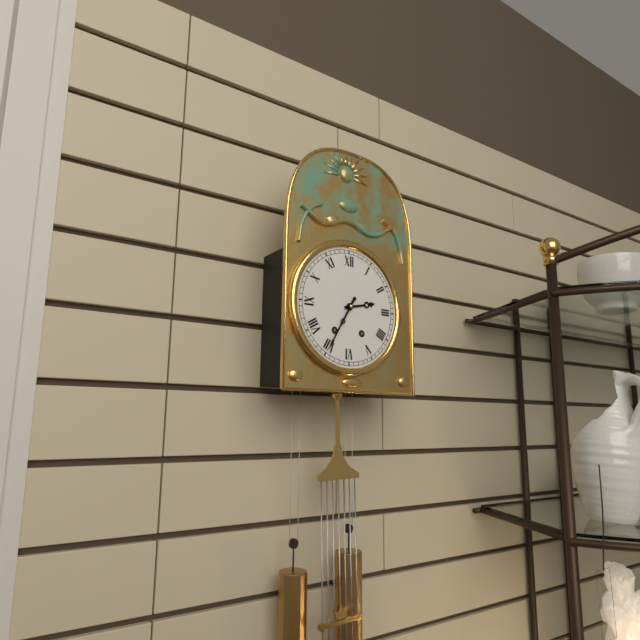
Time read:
2 h 35 min
